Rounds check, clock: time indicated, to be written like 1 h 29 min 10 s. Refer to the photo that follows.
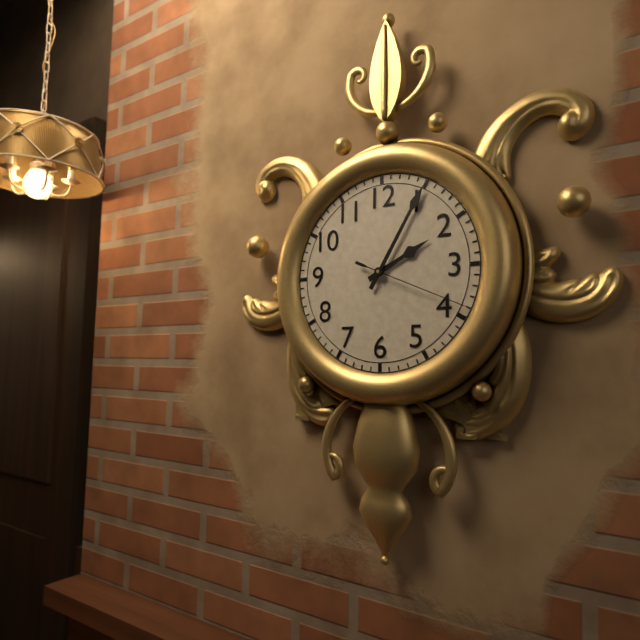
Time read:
2 h 05 min 19 s
